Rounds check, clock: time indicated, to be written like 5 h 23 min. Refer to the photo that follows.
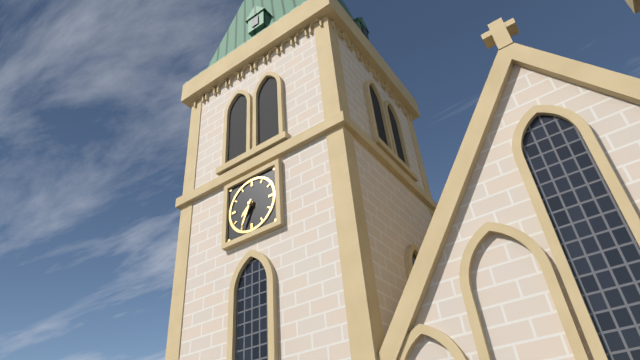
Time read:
7 h 34 min
